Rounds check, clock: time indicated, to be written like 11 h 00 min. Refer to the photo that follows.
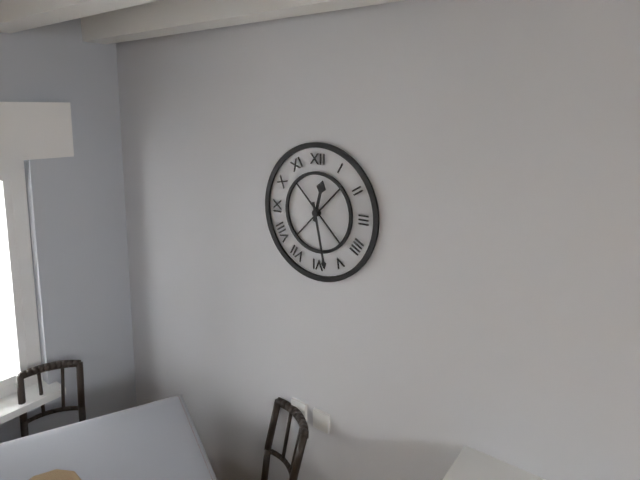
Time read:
12 h 28 min
